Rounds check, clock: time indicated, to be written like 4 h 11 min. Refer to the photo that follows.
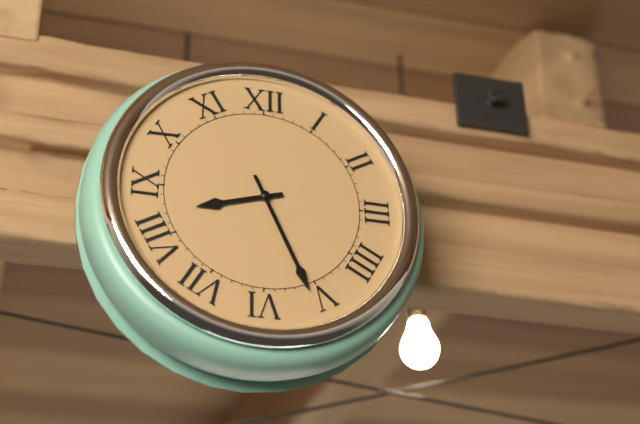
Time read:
8 h 26 min
